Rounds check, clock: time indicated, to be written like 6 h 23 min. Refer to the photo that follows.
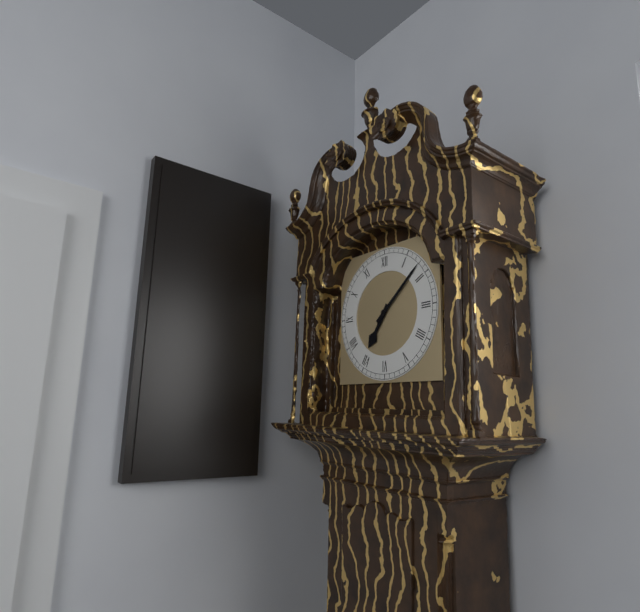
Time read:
7 h 08 min
